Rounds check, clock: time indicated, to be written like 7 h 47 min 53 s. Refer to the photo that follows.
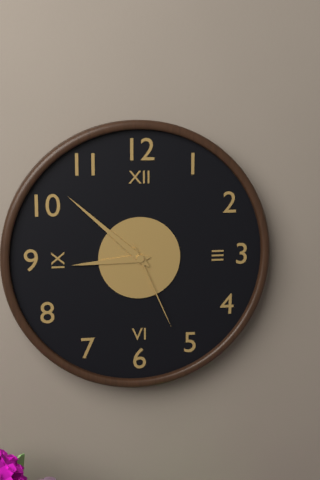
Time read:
8 h 52 min 26 s
